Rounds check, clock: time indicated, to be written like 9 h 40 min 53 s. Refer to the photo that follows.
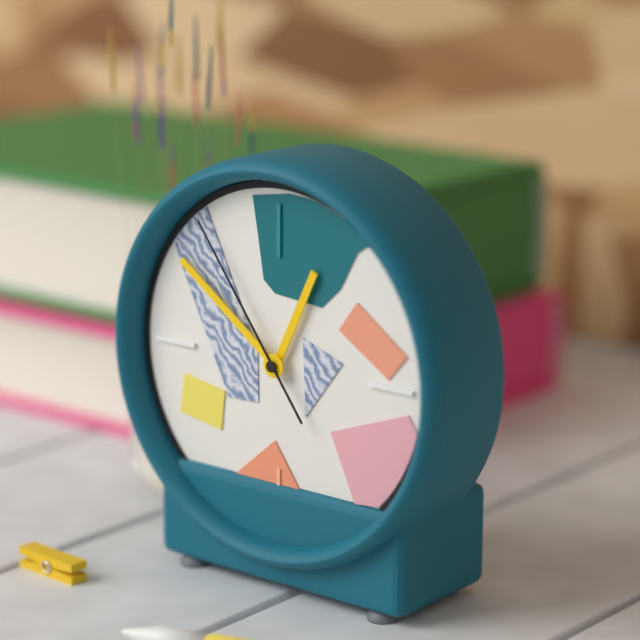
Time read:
12 h 51 min 54 s
